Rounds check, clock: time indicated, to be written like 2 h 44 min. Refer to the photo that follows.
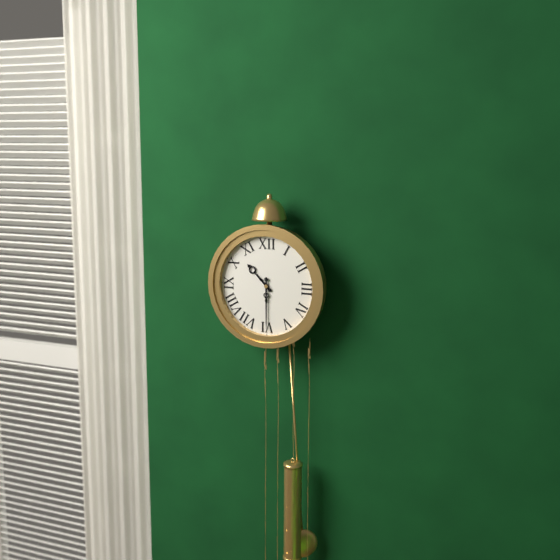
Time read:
10 h 30 min
